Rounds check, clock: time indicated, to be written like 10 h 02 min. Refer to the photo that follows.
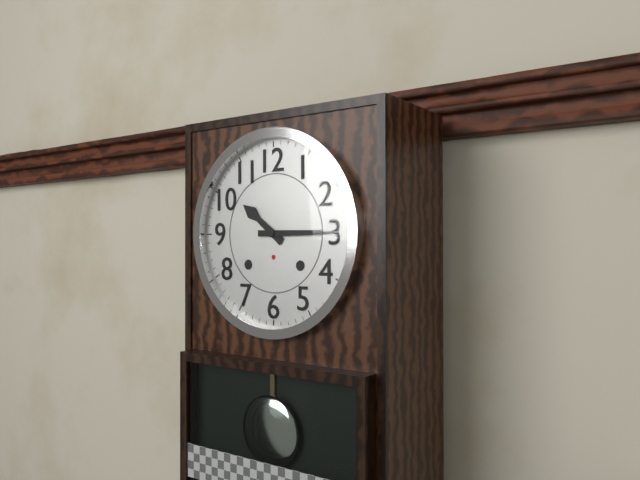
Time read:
10 h 15 min
